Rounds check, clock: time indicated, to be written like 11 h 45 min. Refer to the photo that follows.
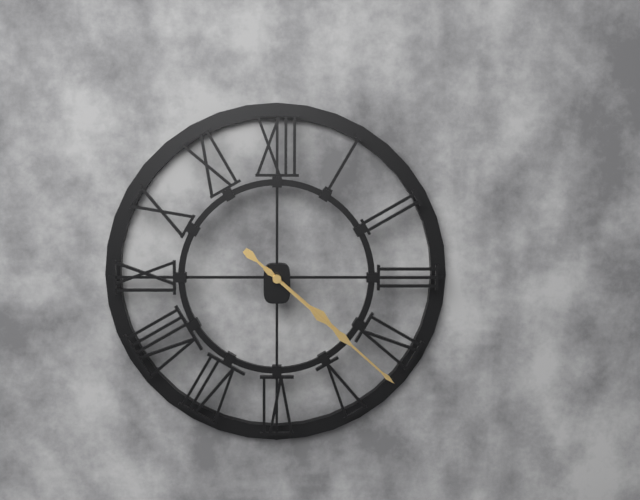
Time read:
4 h 22 min
